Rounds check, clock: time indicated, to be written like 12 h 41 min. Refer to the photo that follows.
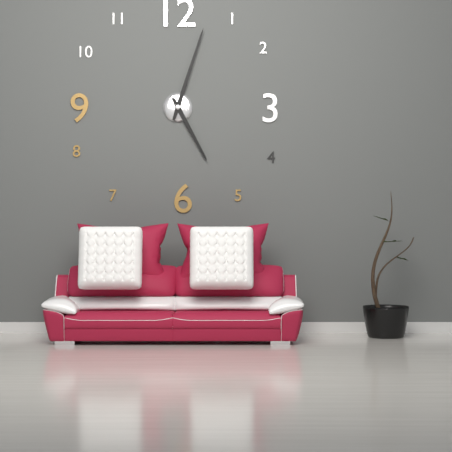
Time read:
5 h 03 min
